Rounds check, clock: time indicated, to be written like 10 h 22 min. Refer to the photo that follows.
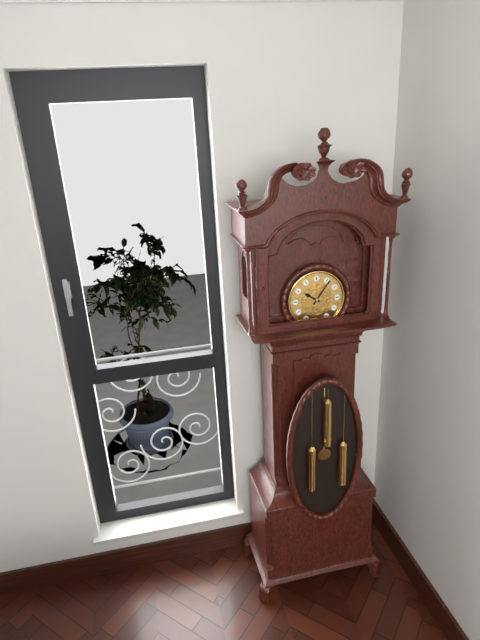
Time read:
10 h 06 min
